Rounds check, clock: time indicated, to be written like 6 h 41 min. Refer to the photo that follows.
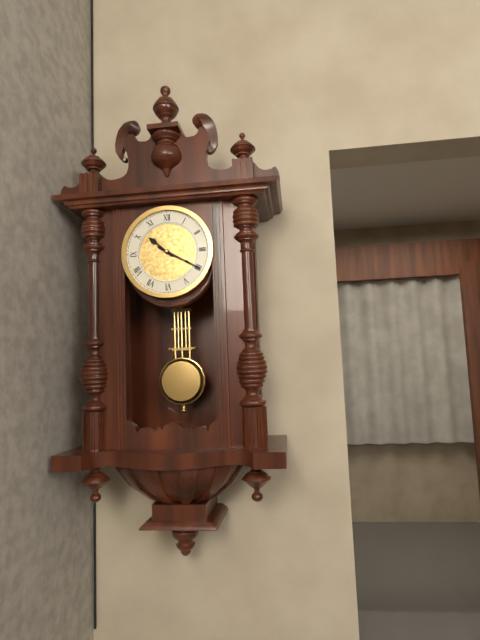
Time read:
10 h 20 min
